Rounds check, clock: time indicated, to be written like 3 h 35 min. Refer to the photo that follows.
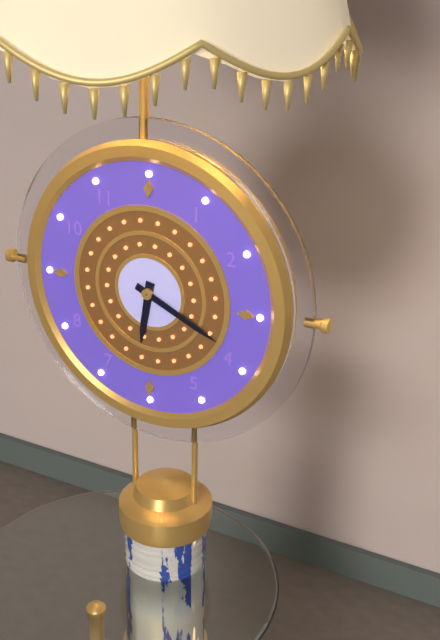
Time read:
6 h 19 min
